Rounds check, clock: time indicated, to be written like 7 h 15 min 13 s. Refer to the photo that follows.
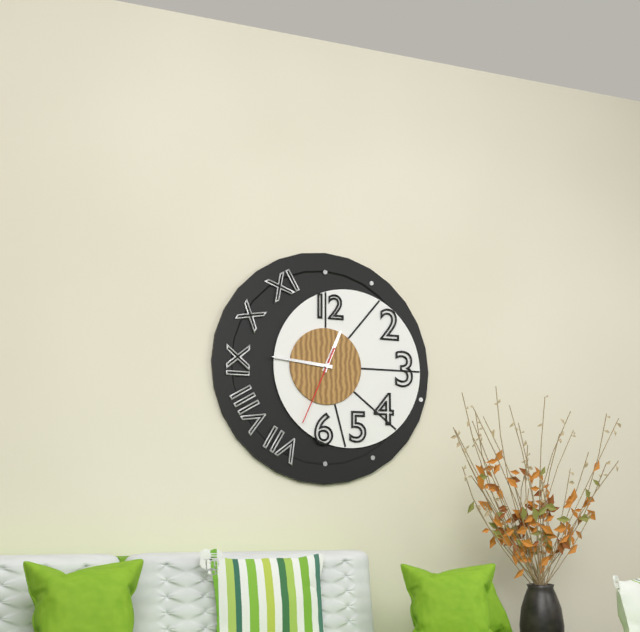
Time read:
12 h 46 min 34 s
